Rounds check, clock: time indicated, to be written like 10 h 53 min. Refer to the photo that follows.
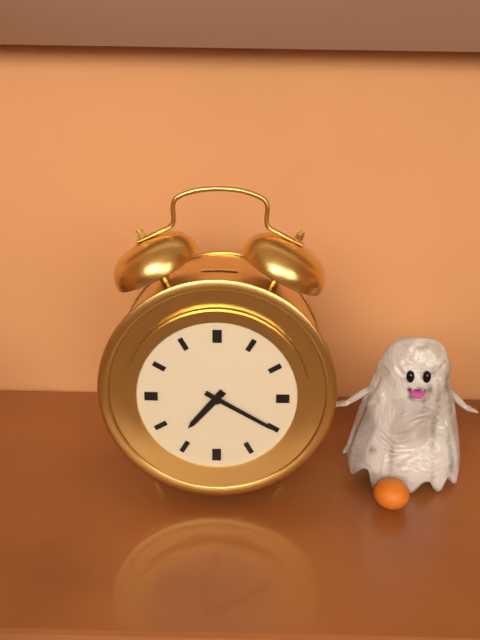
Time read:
7 h 20 min
